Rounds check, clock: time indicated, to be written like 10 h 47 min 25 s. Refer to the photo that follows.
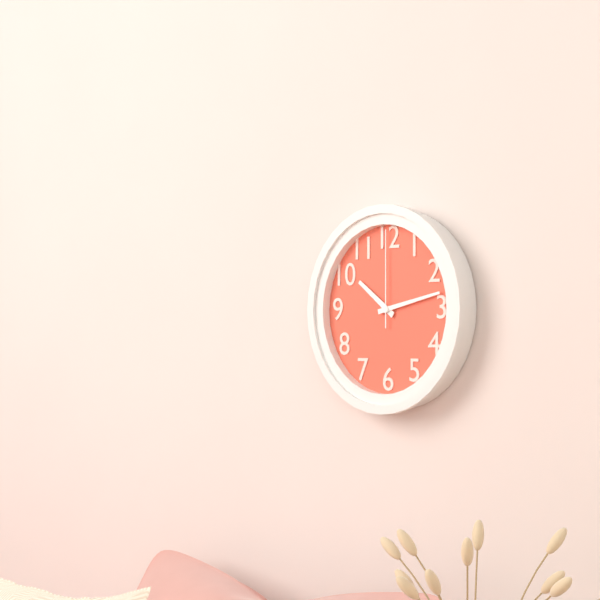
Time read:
10 h 13 min 00 s
